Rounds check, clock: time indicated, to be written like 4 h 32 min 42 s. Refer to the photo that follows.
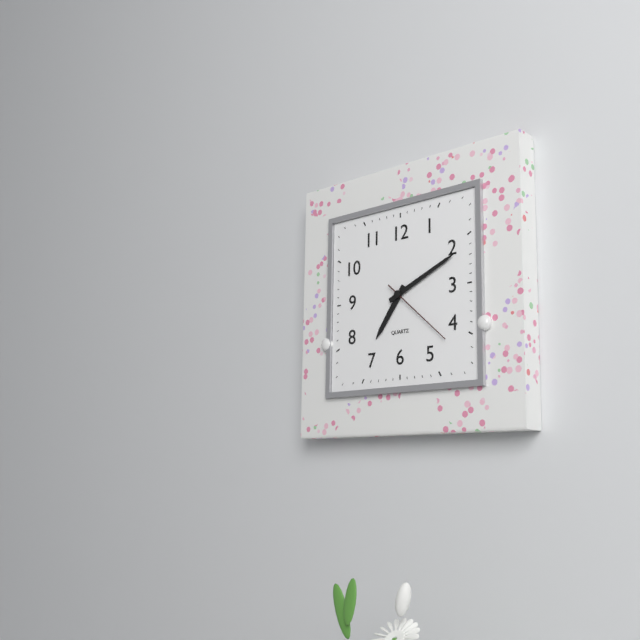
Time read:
7 h 11 min 22 s
